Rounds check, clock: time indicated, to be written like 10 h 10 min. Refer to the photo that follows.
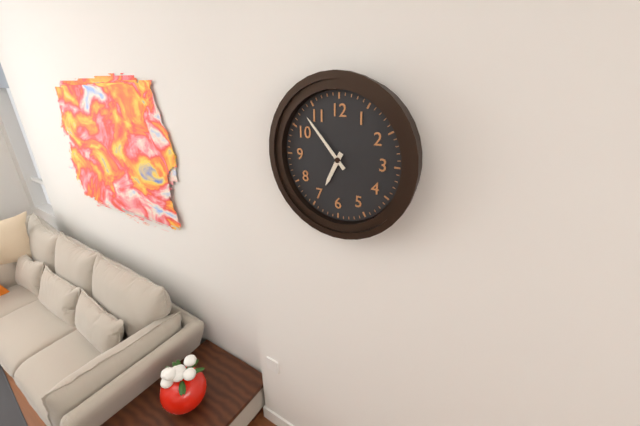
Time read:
6 h 53 min
